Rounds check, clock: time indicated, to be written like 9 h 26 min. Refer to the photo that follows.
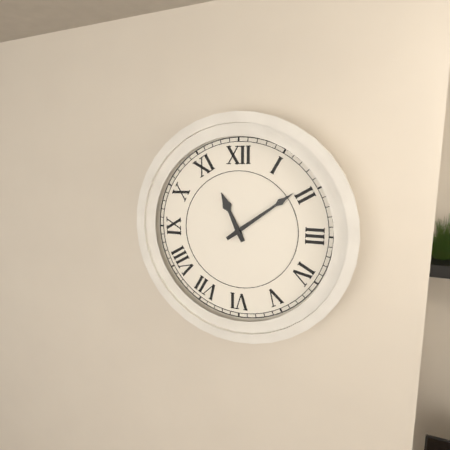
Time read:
11 h 09 min
